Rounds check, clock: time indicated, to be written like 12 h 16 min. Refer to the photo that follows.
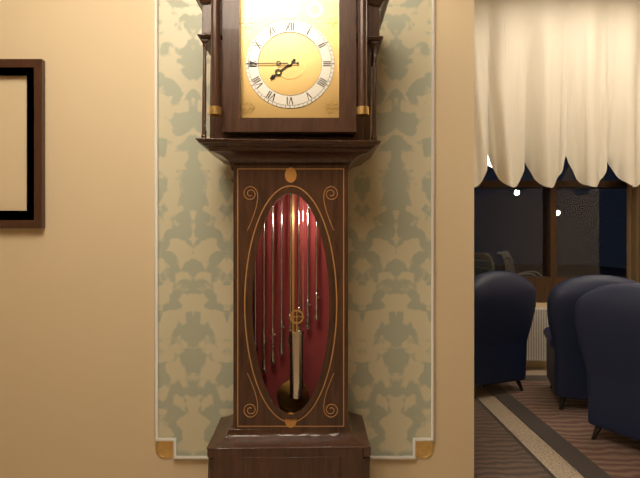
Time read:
7 h 45 min
